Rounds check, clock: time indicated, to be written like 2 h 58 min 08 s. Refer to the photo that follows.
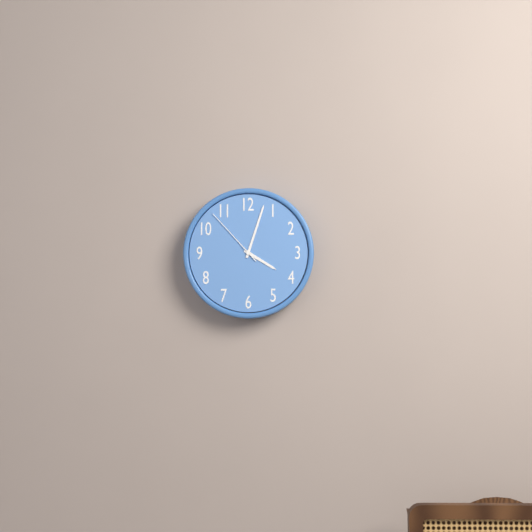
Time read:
4 h 03 min 53 s
